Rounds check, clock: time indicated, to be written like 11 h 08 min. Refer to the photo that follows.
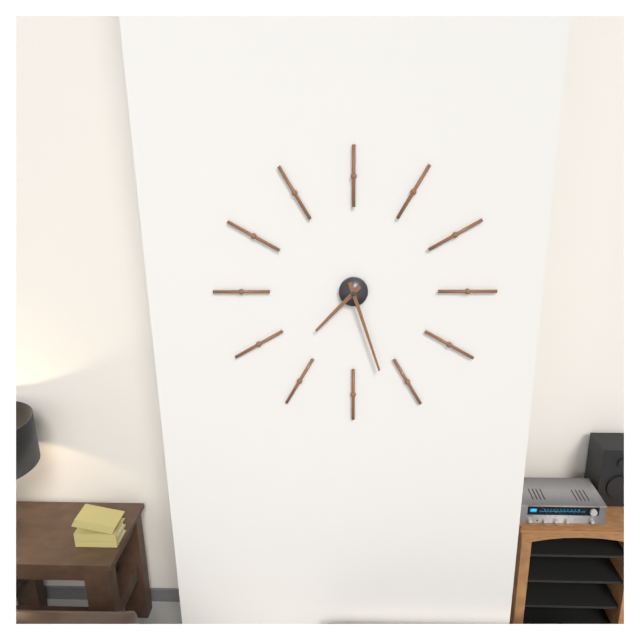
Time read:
7 h 27 min
